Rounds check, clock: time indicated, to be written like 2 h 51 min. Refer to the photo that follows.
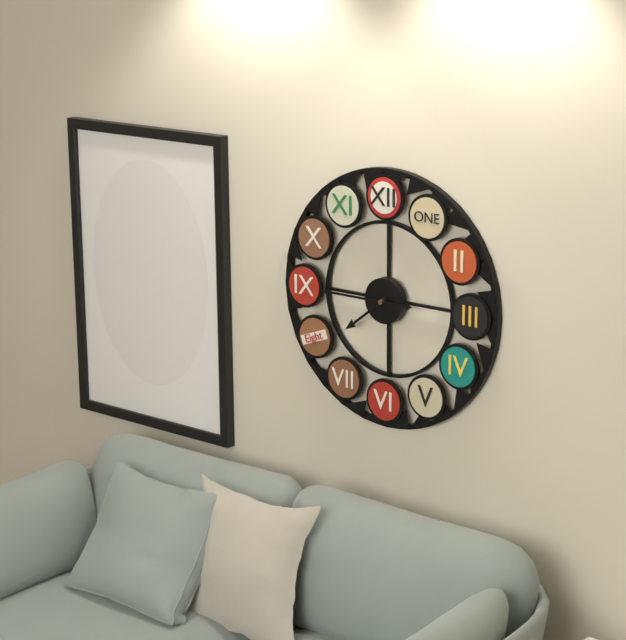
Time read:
7 h 45 min
